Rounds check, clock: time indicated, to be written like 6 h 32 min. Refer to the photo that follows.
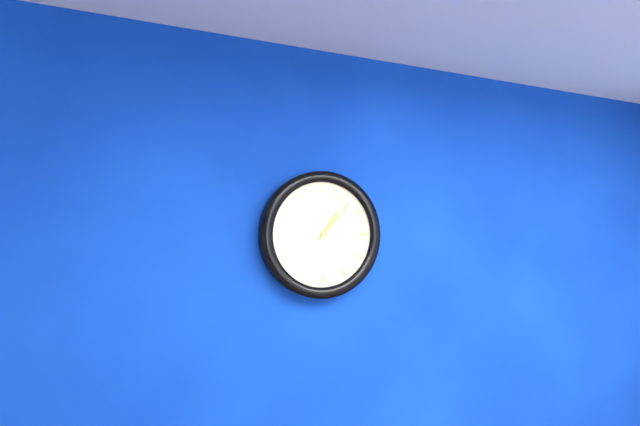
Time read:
1 h 07 min
